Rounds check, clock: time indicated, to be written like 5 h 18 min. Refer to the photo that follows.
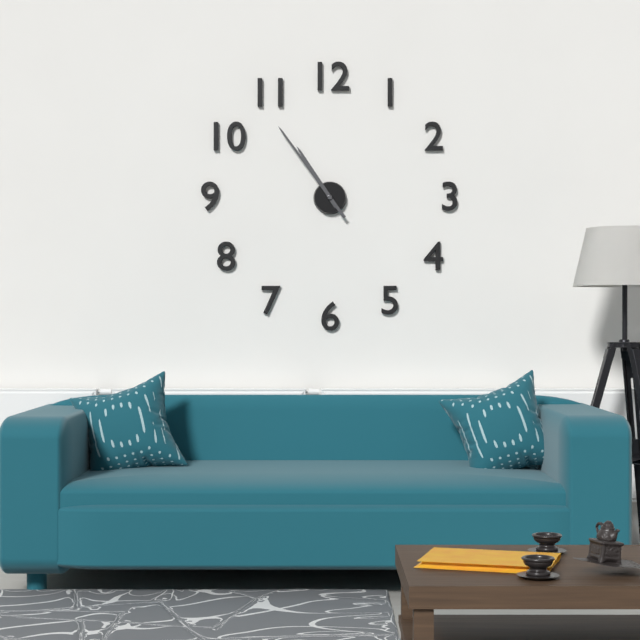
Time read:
10 h 54 min
